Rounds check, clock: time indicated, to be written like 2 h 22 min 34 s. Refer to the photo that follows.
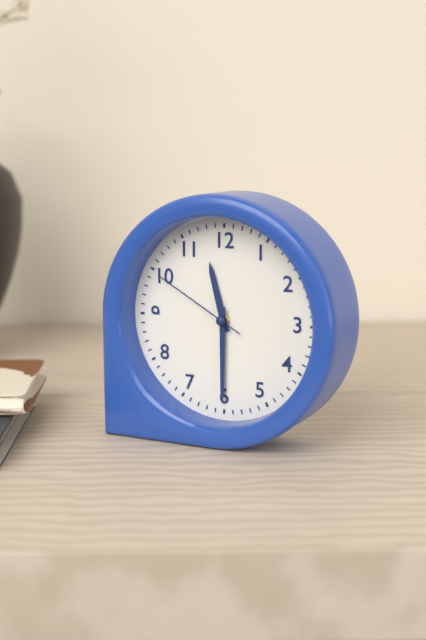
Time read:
11 h 30 min 50 s
